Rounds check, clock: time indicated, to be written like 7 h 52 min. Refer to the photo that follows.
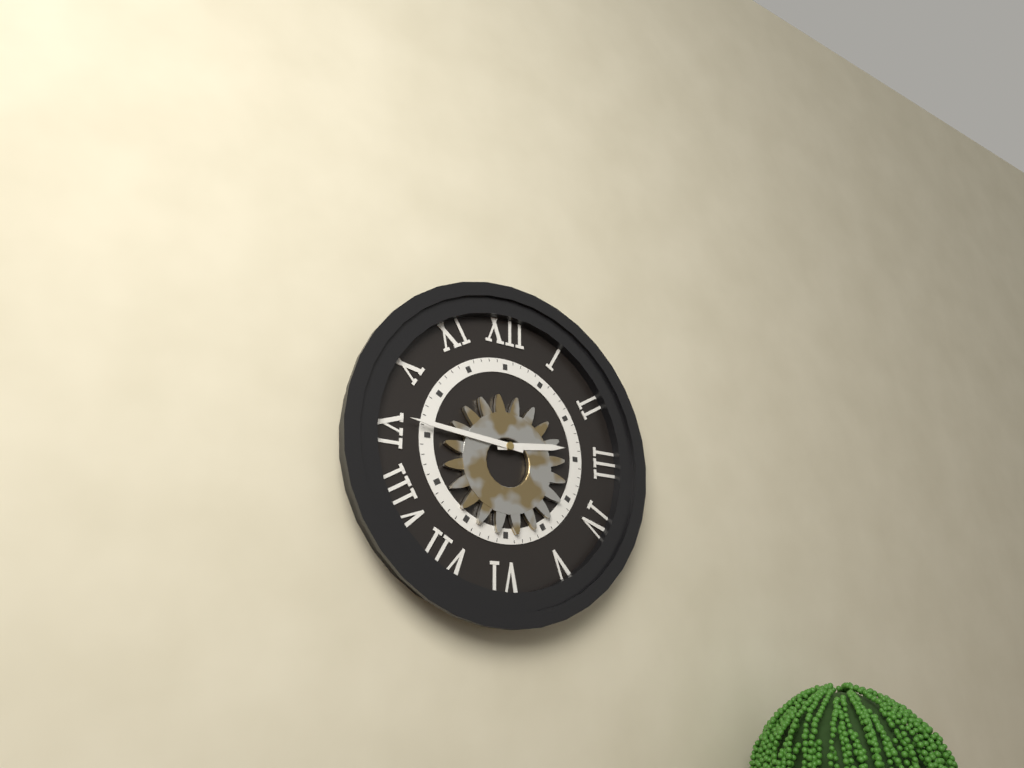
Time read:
2 h 46 min
